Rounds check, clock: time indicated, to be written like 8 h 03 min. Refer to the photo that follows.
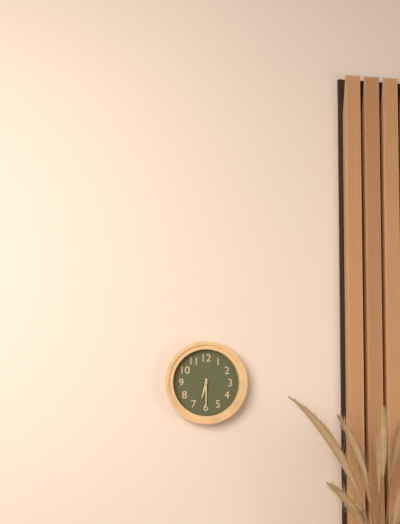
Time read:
6 h 30 min
